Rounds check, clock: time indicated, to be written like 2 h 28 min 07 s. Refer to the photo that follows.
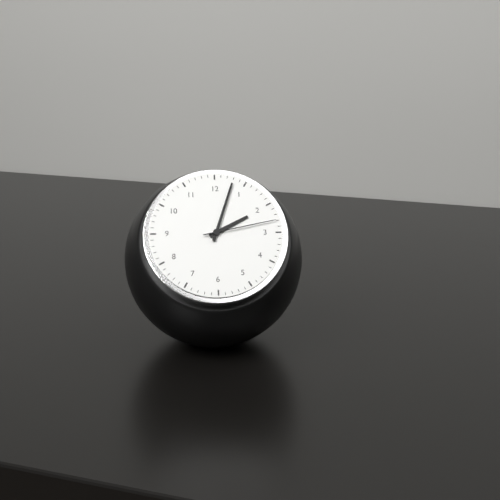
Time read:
2 h 03 min 13 s
